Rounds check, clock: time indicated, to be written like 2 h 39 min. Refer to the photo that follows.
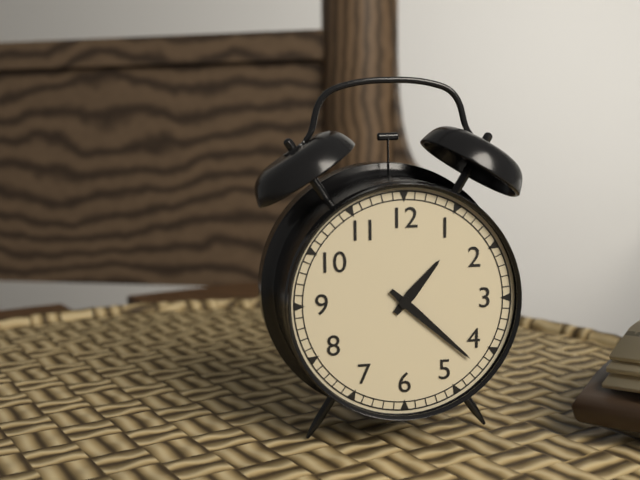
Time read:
1 h 22 min
